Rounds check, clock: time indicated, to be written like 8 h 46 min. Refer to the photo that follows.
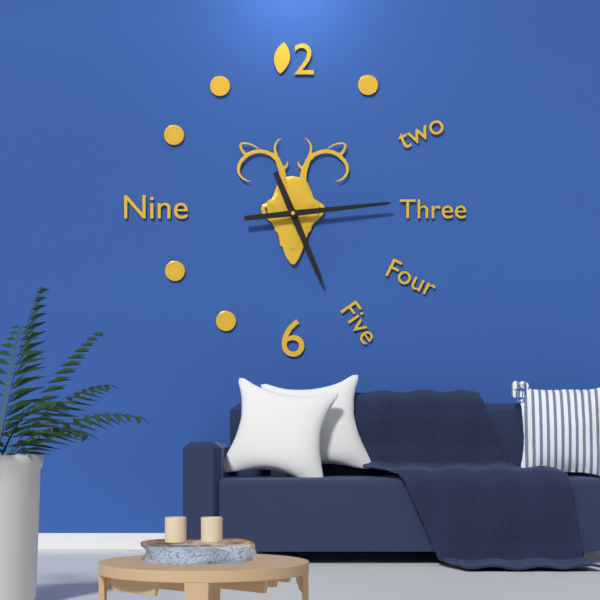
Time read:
5 h 14 min
